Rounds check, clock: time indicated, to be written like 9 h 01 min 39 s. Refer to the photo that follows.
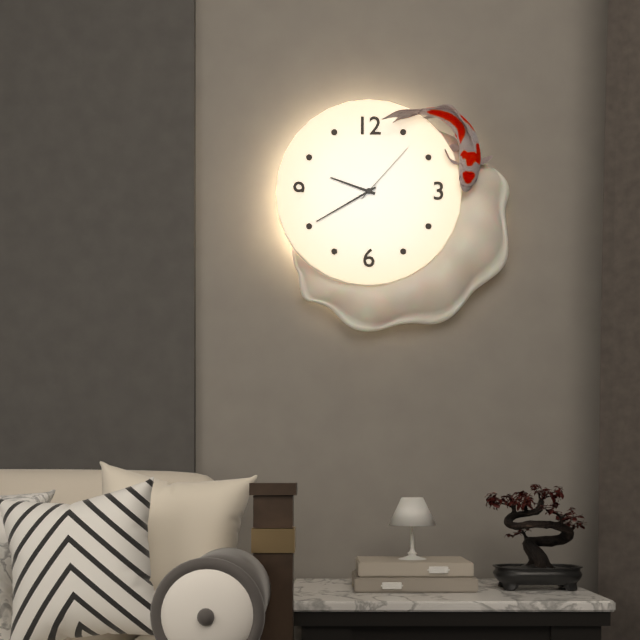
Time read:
9 h 40 min 07 s
